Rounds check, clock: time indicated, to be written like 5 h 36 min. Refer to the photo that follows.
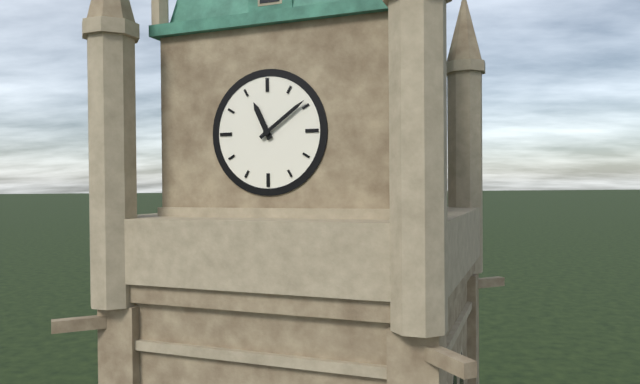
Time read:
11 h 09 min
